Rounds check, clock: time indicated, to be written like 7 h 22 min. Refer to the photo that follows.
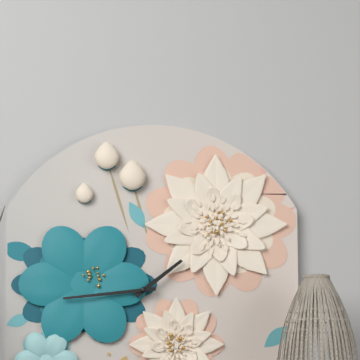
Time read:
1 h 44 min
